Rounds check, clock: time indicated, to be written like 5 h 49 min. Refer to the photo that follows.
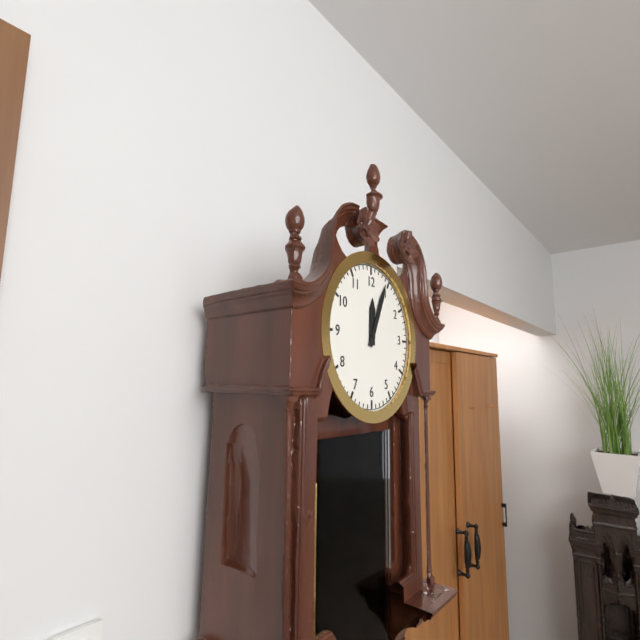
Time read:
12 h 04 min
